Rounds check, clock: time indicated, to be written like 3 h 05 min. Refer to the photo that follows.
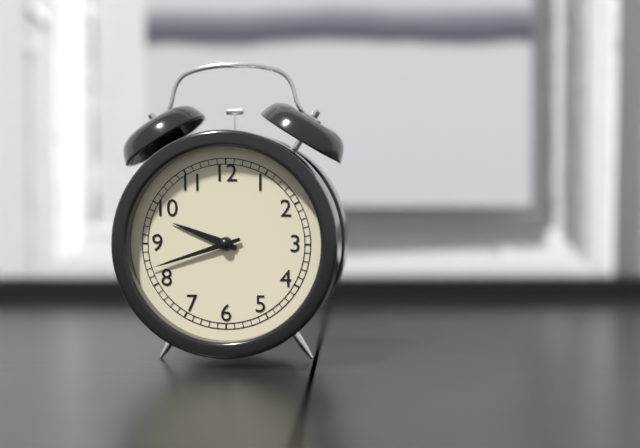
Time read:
9 h 42 min
